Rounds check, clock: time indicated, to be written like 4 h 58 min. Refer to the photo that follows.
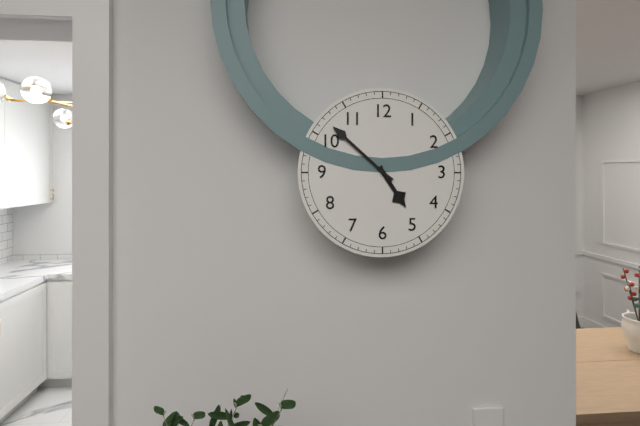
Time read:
4 h 52 min
